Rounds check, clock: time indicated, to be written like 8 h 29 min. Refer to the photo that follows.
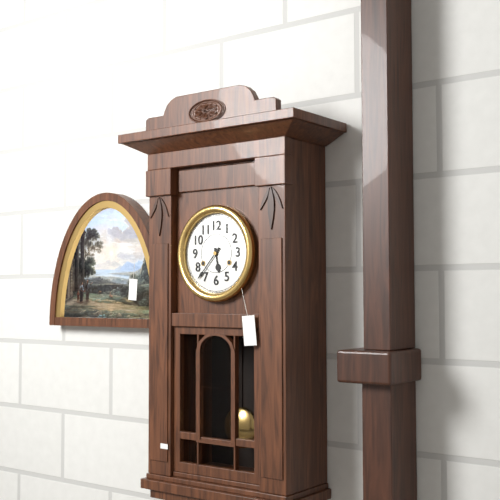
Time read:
5 h 37 min
